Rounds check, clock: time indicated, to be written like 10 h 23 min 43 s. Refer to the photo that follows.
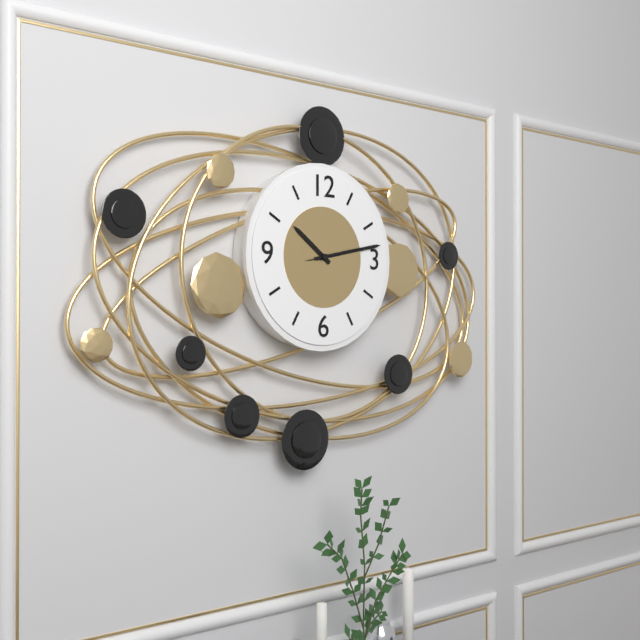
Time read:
10 h 13 min 13 s
